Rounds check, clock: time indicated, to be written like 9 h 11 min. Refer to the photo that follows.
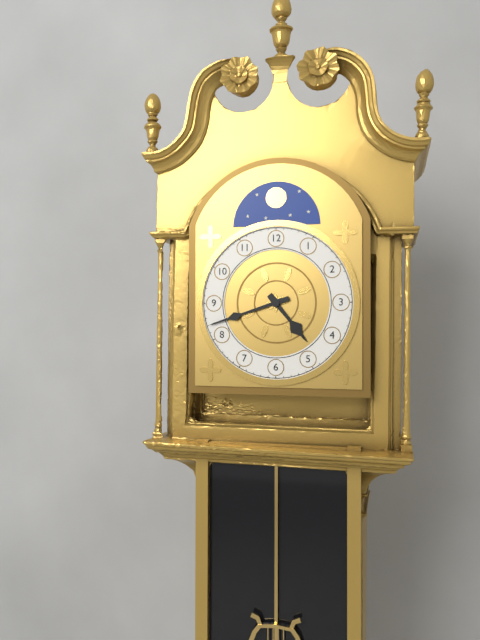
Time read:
4 h 42 min
